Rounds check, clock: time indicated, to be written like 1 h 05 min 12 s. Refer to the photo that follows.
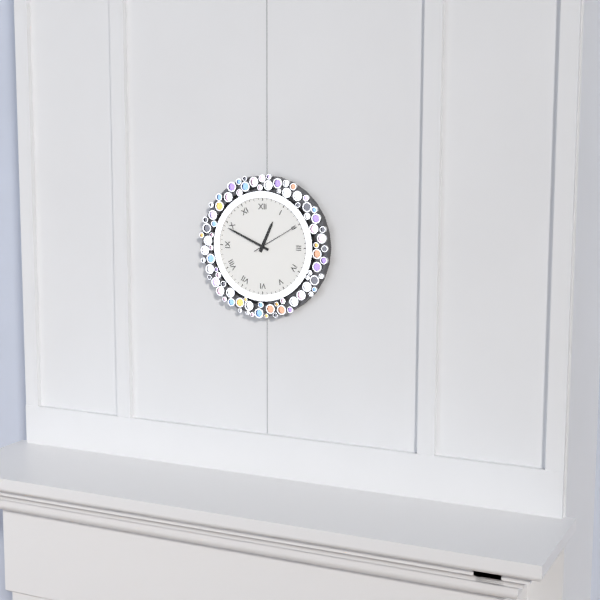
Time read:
12 h 49 min 10 s
